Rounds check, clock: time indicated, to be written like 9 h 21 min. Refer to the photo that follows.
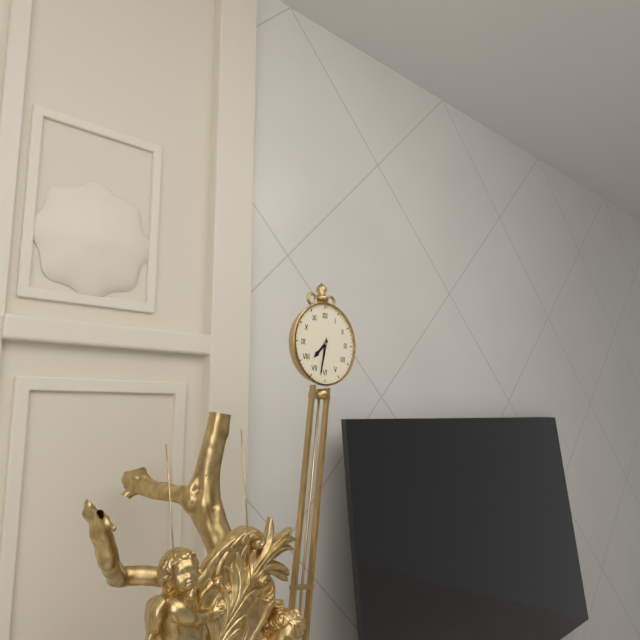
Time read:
7 h 32 min
